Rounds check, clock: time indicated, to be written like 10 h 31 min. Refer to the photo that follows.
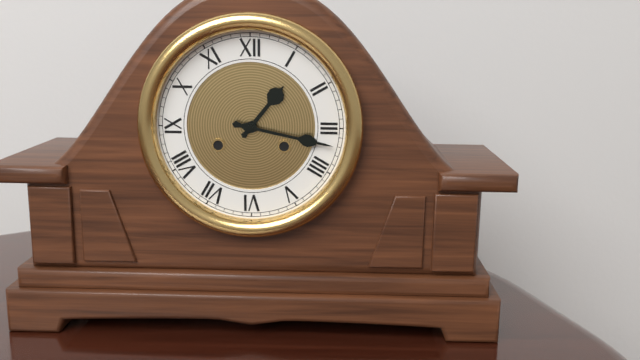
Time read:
1 h 17 min
